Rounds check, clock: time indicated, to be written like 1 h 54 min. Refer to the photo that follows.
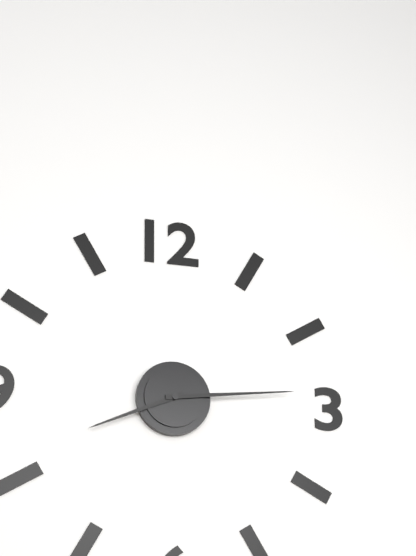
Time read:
8 h 14 min
